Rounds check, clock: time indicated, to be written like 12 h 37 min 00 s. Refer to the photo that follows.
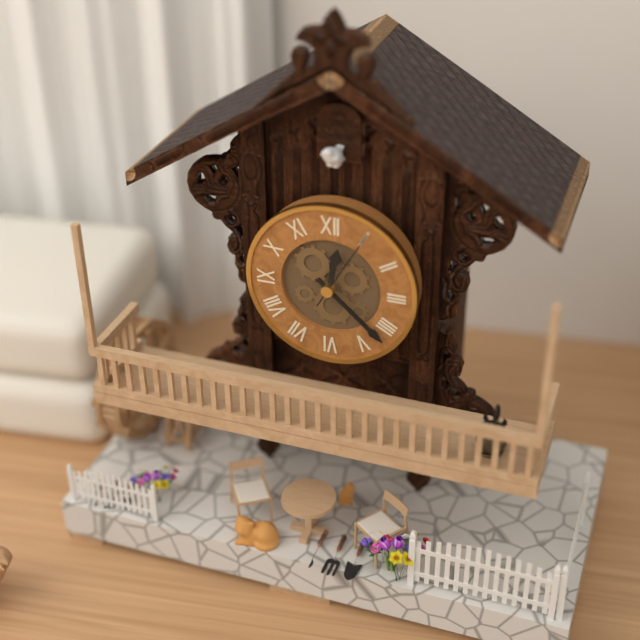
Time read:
12 h 22 min 05 s
